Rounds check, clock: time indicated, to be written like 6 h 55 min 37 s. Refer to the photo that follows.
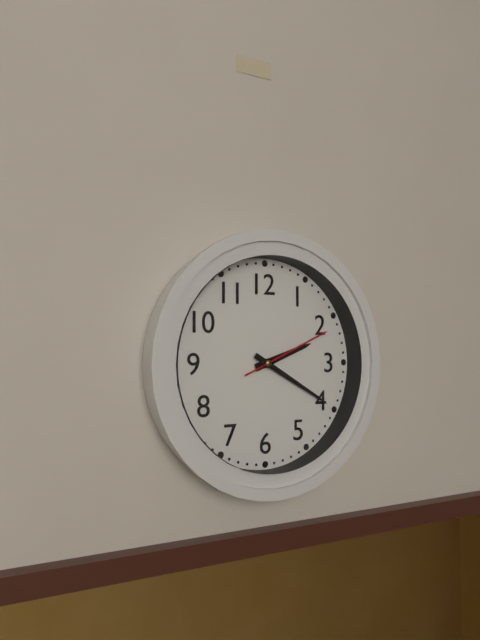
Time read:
2 h 20 min 11 s
